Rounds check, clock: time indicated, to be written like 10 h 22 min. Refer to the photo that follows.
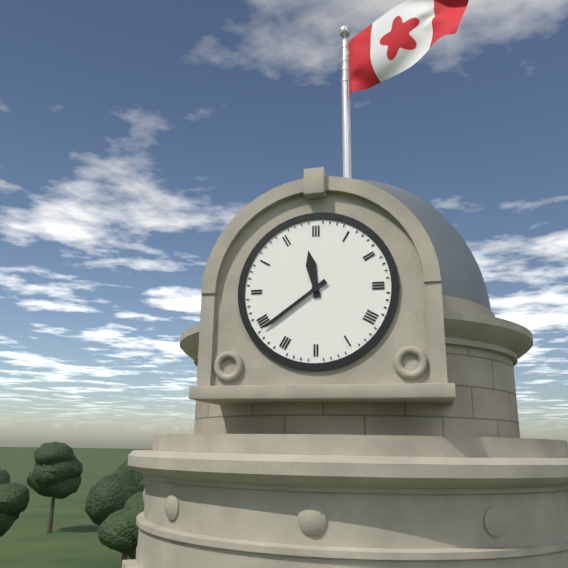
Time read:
11 h 39 min
